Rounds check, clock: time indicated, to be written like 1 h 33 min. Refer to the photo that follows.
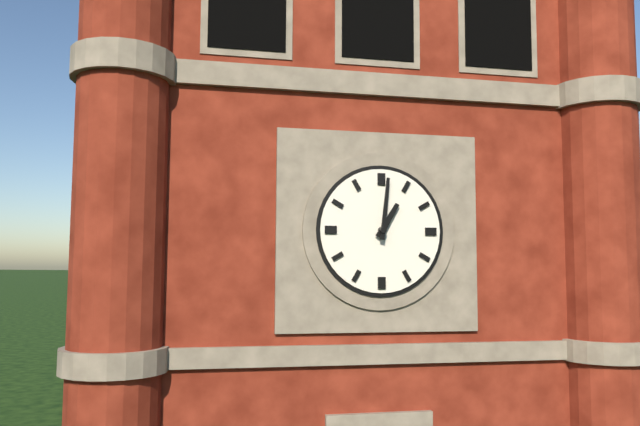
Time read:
1 h 01 min
